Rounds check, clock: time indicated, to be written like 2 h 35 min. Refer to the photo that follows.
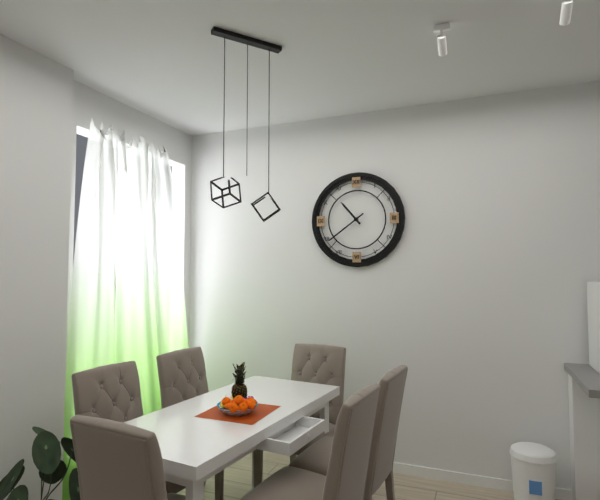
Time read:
10 h 39 min
